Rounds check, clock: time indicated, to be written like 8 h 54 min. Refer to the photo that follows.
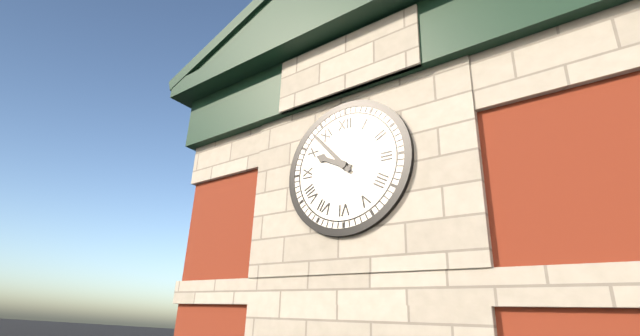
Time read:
9 h 53 min
